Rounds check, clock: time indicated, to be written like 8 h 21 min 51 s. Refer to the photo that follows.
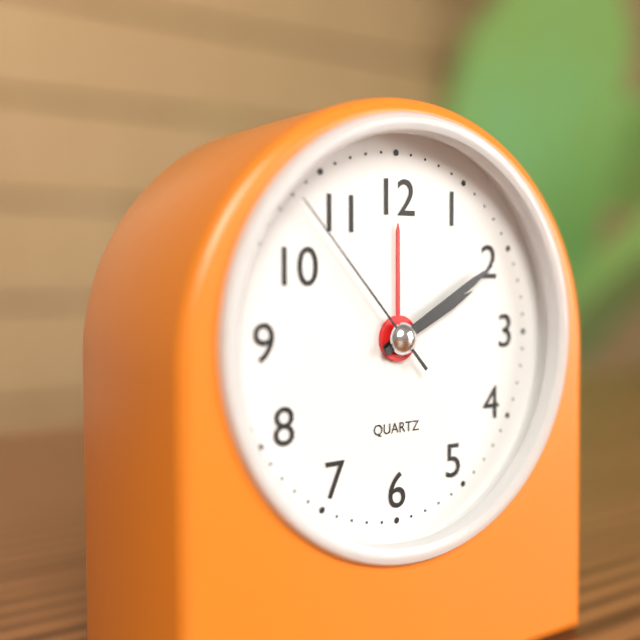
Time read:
2 h 10 min 53 s
